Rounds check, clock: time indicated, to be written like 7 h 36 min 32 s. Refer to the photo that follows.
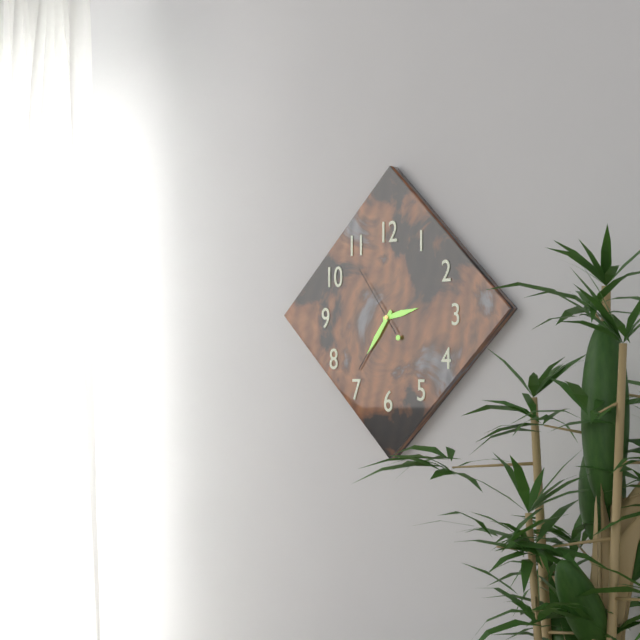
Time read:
2 h 36 min 54 s
